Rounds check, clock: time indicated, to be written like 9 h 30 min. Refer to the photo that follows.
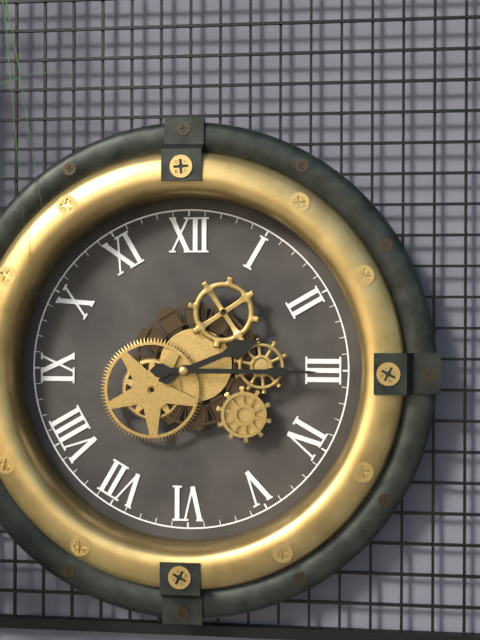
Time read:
2 h 15 min
